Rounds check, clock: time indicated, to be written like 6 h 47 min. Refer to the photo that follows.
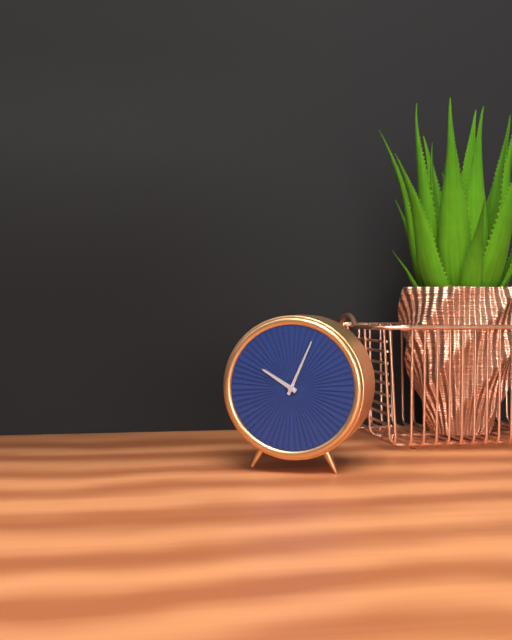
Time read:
10 h 04 min
